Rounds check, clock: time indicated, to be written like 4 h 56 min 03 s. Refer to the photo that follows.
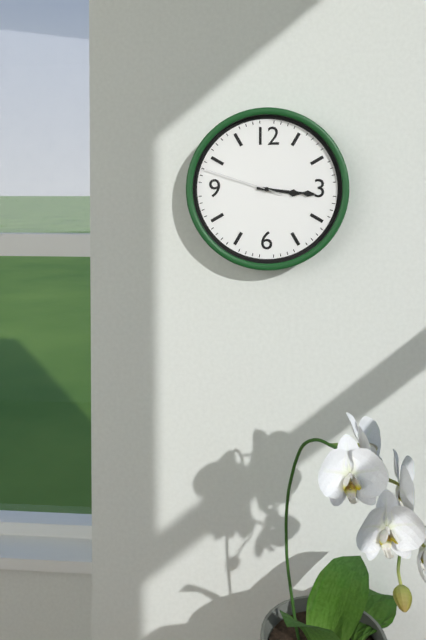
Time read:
3 h 16 min 48 s
